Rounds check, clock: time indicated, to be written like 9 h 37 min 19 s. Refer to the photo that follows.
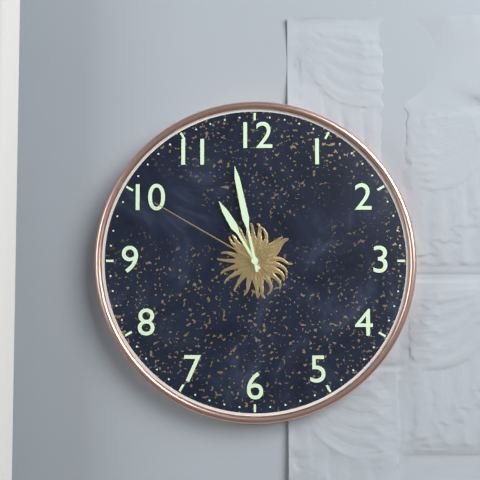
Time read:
10 h 58 min 50 s
